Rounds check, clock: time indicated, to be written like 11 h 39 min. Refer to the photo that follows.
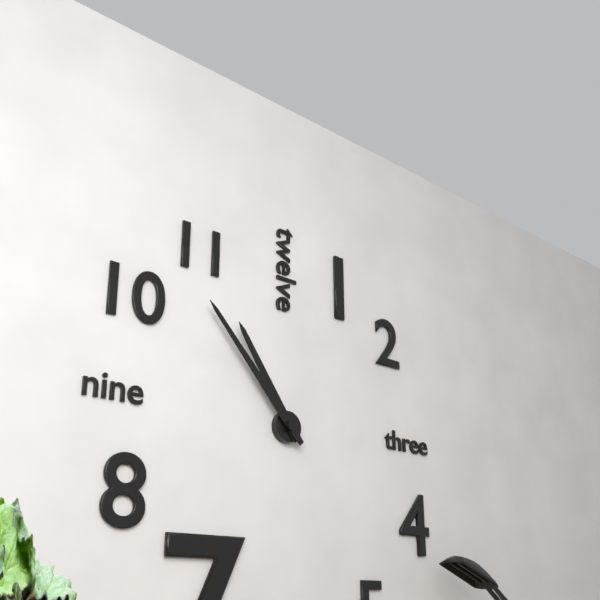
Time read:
10 h 53 min
